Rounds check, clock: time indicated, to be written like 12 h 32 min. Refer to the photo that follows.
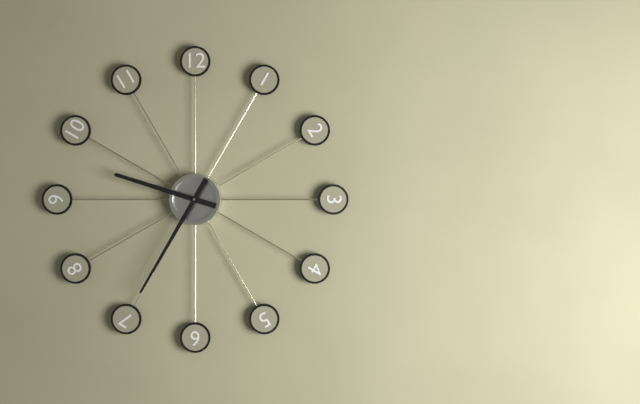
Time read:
9 h 35 min
